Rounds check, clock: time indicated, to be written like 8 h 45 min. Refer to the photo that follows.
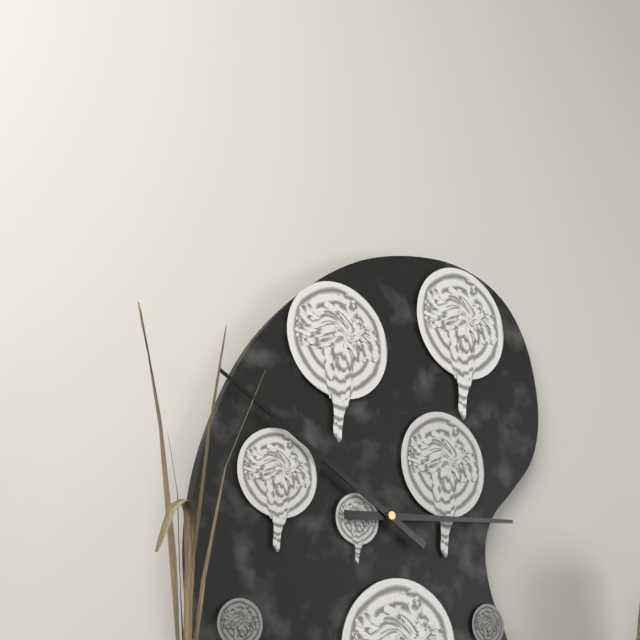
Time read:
2 h 50 min
